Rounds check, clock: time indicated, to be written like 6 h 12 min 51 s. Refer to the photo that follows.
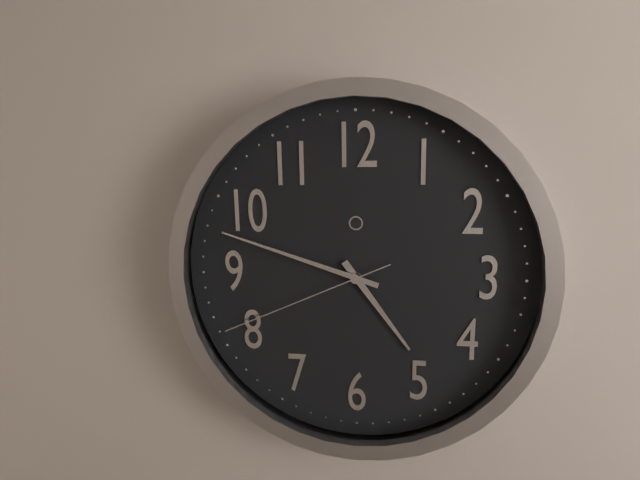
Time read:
4 h 48 min 41 s
